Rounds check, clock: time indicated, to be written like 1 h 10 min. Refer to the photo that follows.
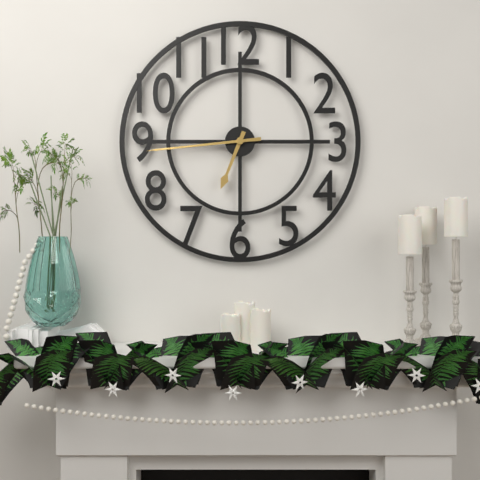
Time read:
6 h 44 min
